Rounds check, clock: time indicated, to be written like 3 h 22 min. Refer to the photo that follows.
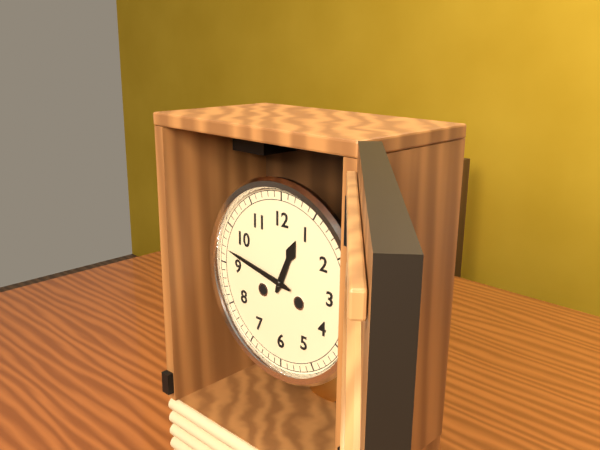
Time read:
12 h 47 min
